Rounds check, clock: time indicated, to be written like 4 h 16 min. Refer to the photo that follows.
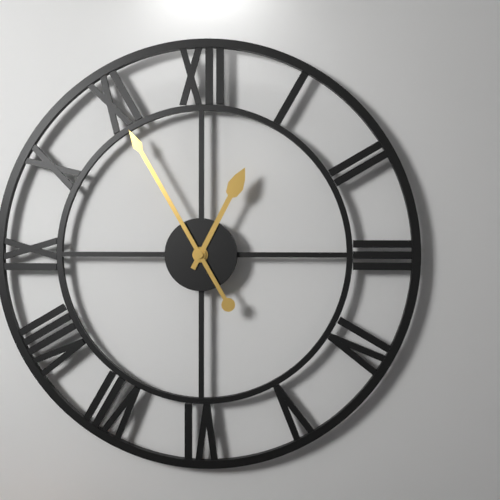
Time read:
12 h 55 min
